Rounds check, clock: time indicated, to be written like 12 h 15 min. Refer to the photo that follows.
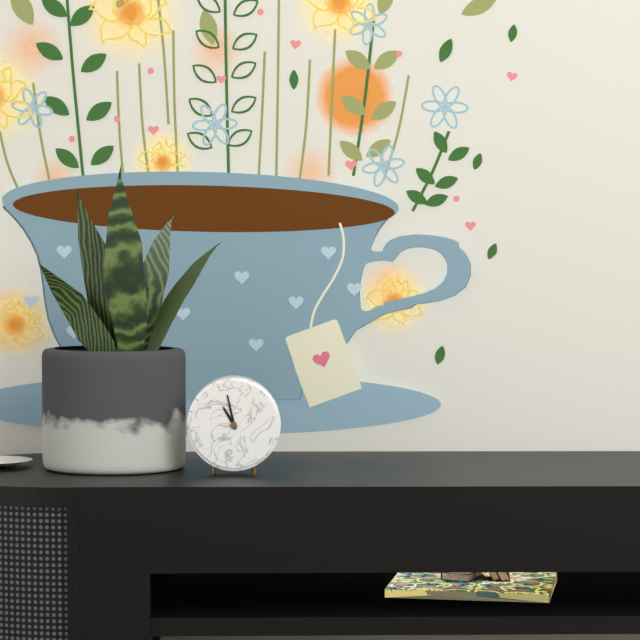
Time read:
10 h 58 min
